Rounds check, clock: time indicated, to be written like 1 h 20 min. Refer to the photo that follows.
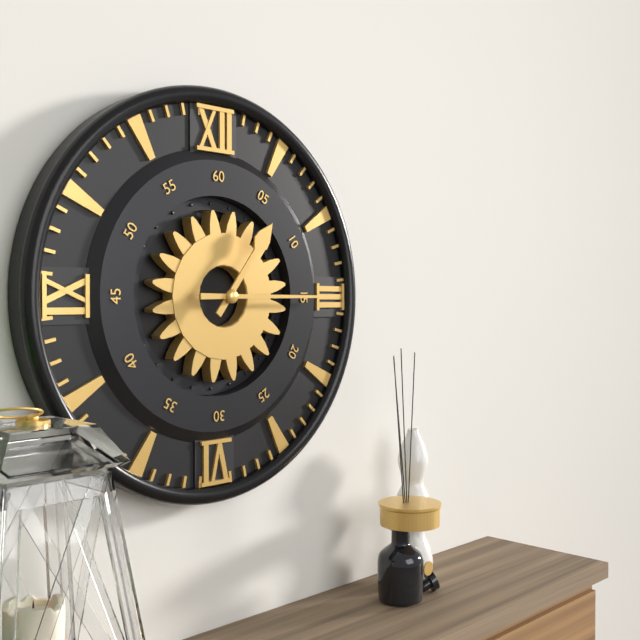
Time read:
1 h 15 min
